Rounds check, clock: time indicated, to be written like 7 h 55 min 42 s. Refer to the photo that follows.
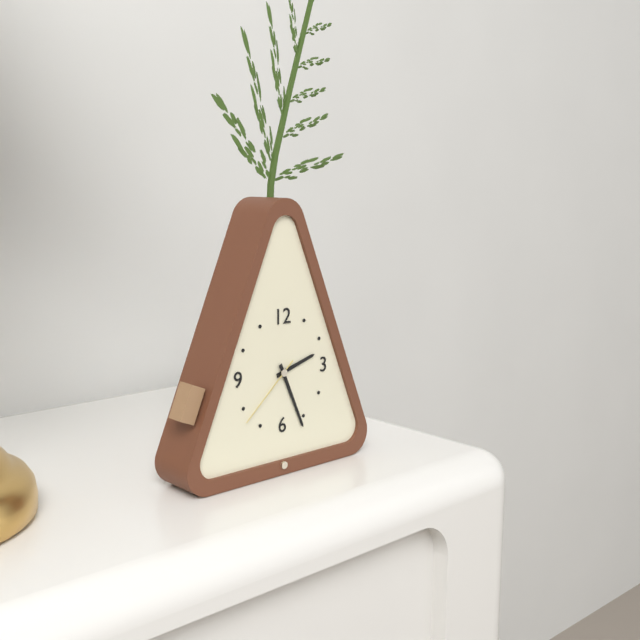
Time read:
2 h 26 min 38 s
